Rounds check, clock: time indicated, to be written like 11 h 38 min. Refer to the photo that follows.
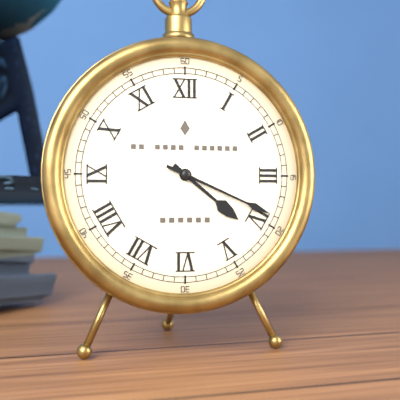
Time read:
4 h 19 min
